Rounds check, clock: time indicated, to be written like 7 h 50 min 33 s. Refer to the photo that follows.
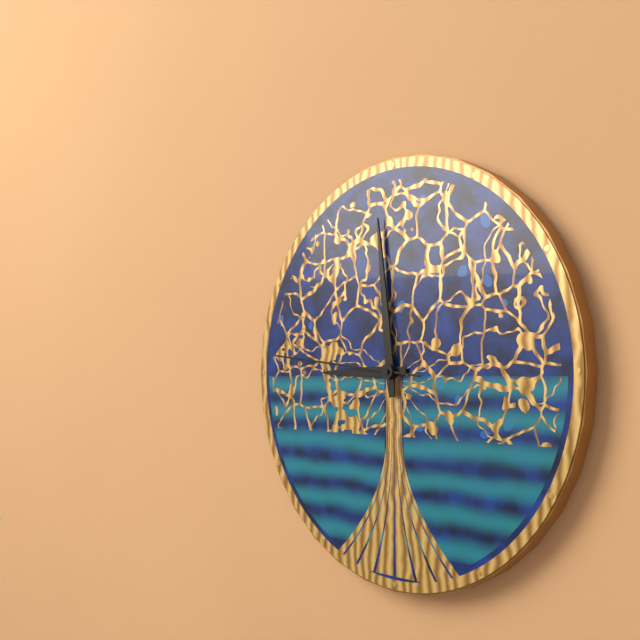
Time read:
8 h 59 min 46 s
